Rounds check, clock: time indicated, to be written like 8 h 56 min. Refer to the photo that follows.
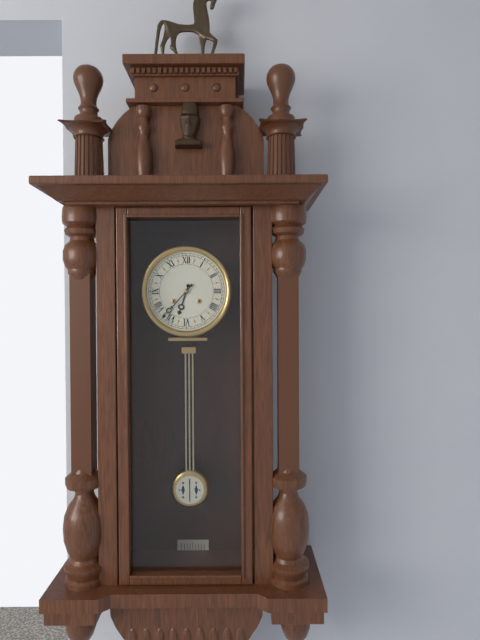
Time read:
6 h 37 min
